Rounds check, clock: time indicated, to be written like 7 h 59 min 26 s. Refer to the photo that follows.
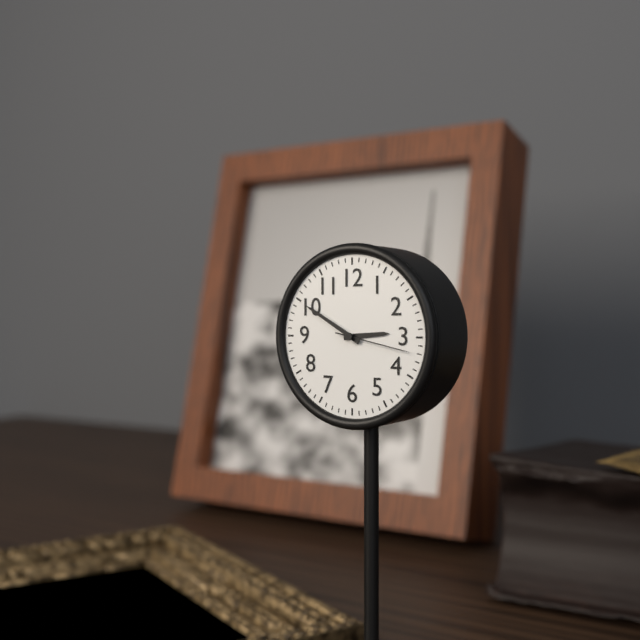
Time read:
2 h 50 min 17 s
